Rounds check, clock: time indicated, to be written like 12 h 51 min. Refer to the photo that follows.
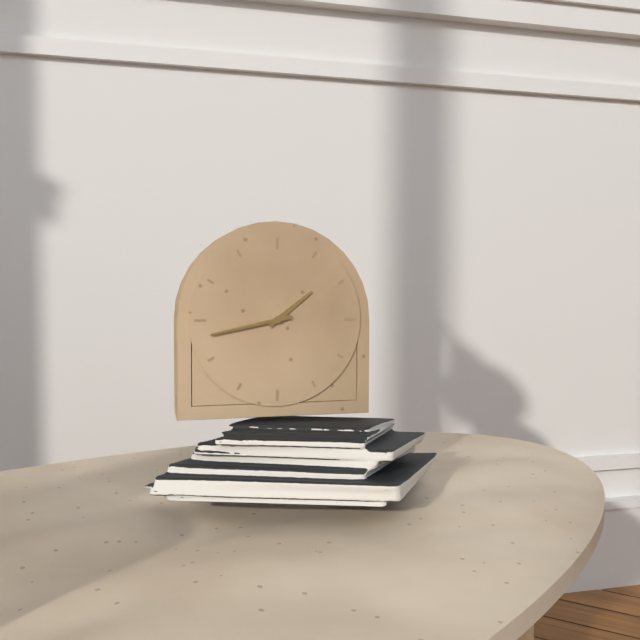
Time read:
1 h 43 min
